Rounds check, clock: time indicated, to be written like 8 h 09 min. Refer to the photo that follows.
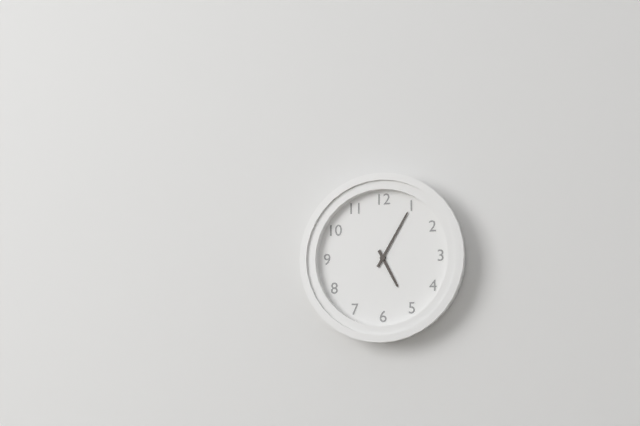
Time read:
5 h 05 min
